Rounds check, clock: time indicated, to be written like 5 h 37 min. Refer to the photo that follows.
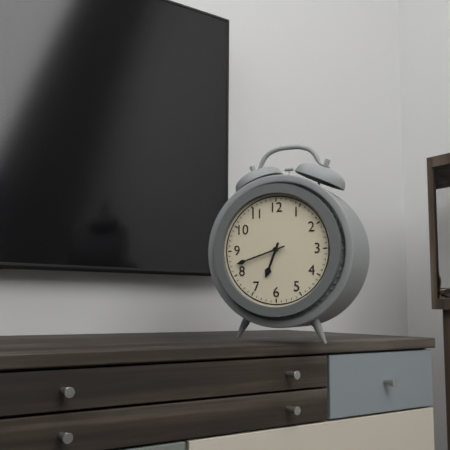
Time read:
6 h 42 min
